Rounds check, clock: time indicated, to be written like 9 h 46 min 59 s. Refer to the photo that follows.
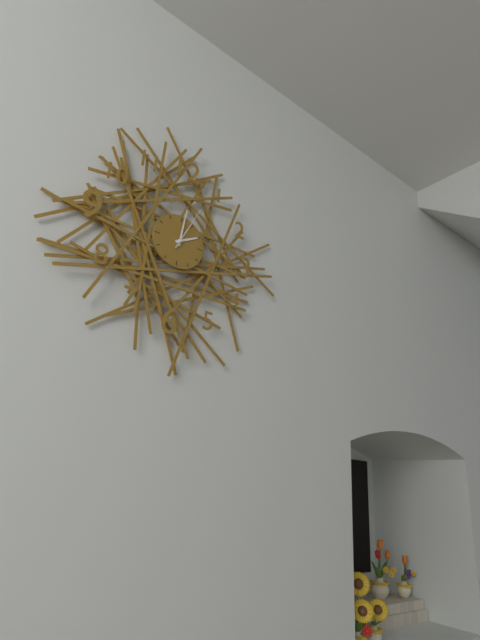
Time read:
2 h 01 min 04 s
